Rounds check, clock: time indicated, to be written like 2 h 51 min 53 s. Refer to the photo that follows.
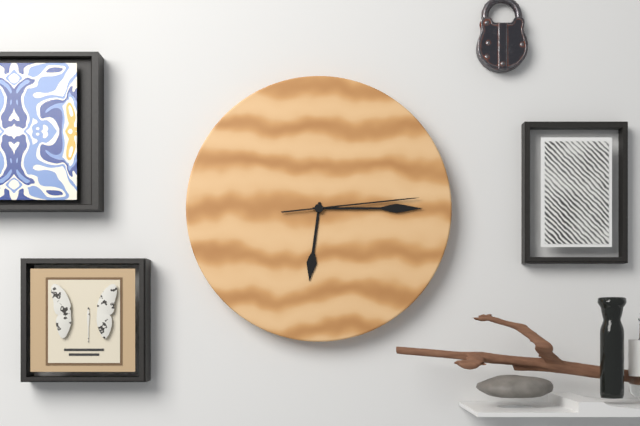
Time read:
6 h 15 min 14 s
